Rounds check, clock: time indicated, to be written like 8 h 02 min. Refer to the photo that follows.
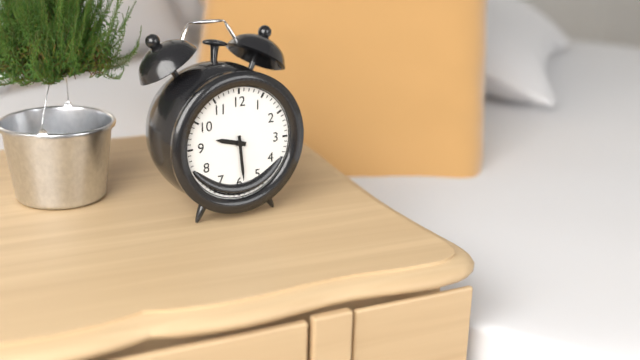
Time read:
9 h 29 min
